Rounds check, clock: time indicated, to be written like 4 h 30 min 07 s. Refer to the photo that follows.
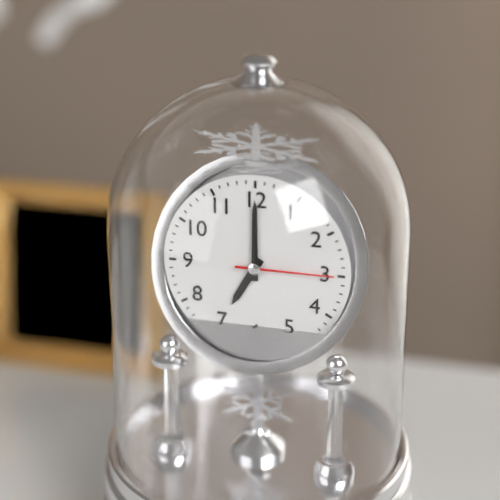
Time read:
7 h 00 min 15 s
